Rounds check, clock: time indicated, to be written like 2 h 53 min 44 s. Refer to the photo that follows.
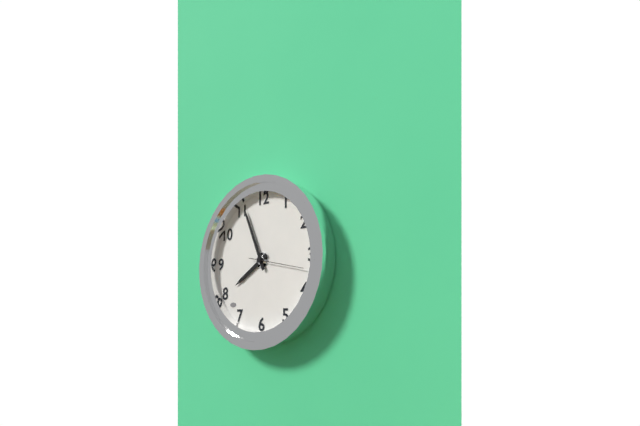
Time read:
7 h 56 min 17 s
